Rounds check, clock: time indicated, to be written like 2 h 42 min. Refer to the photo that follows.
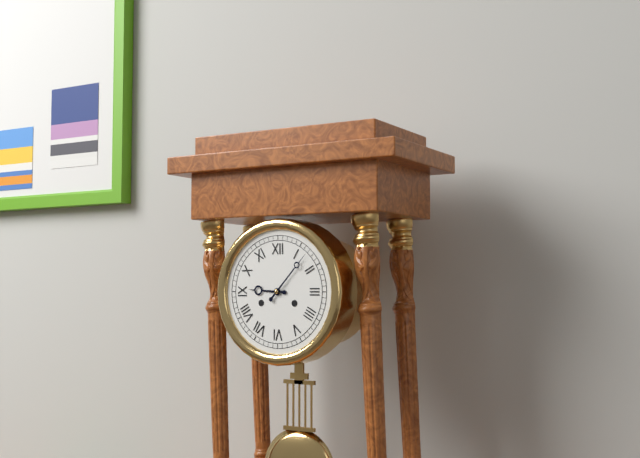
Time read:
9 h 07 min
